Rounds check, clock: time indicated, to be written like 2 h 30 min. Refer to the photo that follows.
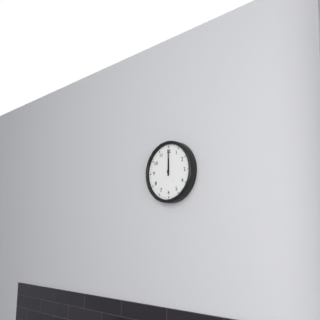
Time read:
12 h 00 min
